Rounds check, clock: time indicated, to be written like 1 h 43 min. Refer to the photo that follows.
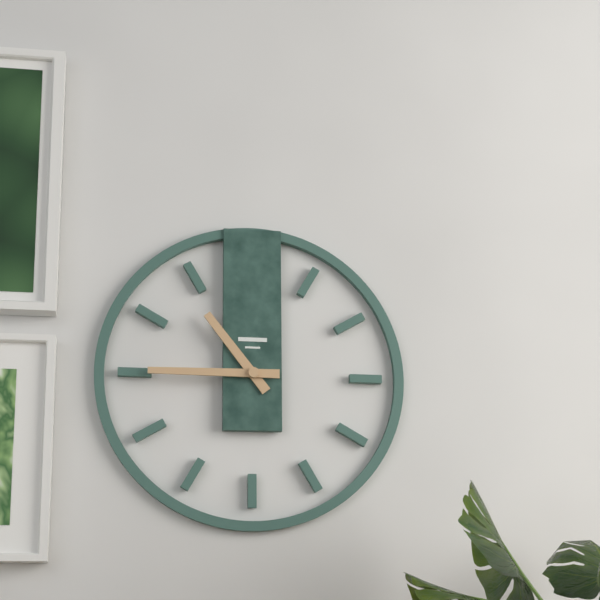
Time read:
10 h 45 min
